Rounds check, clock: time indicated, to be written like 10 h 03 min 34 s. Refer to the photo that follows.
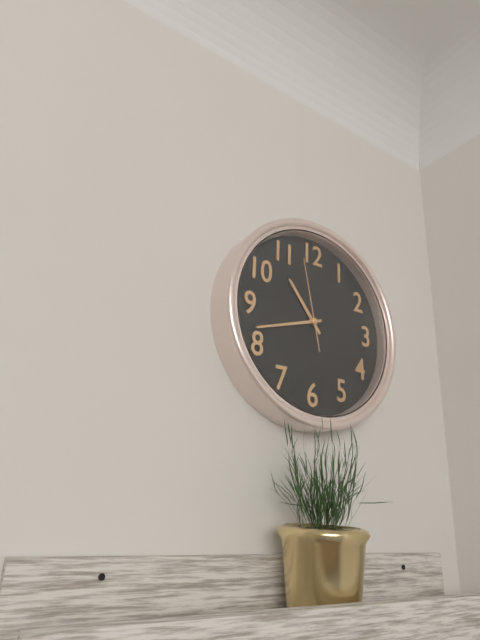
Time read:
10 h 42 min 58 s
